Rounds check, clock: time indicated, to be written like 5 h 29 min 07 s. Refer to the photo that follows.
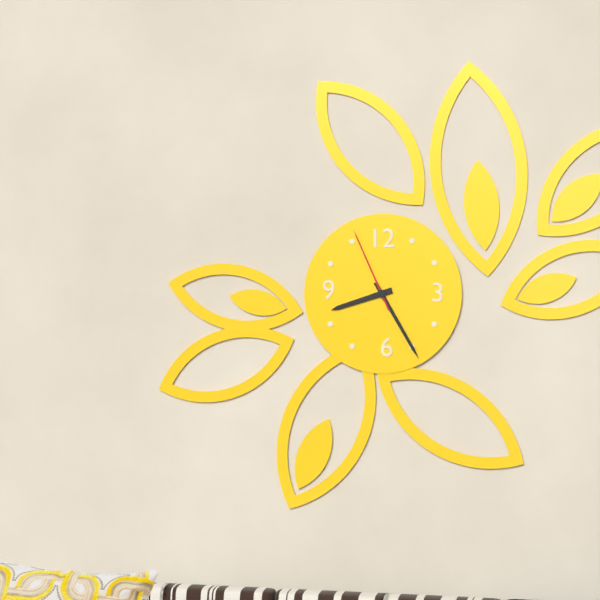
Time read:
8 h 25 min 56 s
